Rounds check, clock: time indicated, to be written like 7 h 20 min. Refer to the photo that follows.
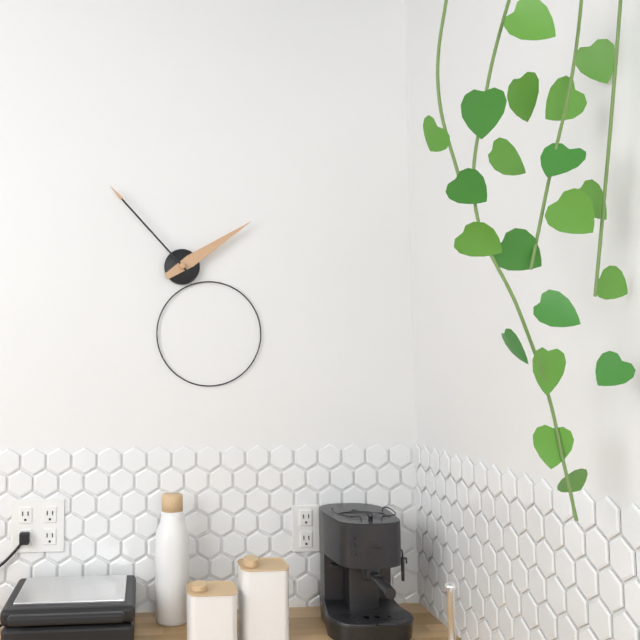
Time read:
1 h 53 min
